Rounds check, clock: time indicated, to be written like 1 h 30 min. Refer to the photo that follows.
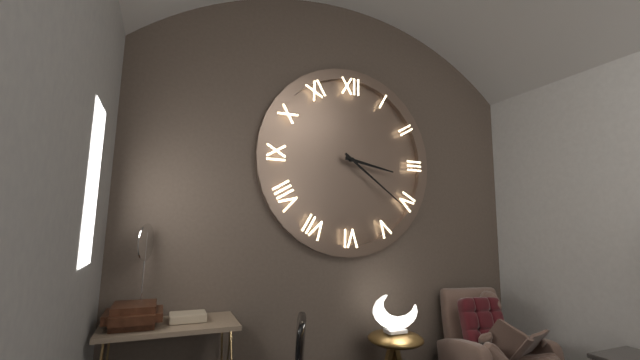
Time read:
3 h 21 min
